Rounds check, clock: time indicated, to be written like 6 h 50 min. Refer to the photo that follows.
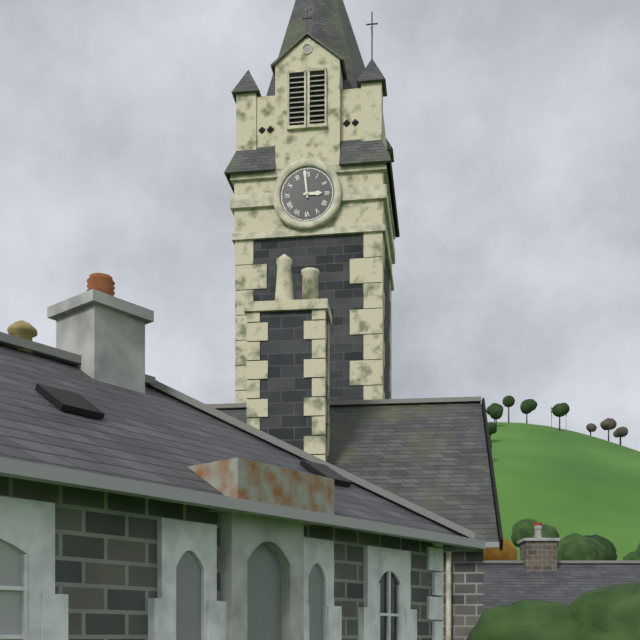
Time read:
2 h 59 min
